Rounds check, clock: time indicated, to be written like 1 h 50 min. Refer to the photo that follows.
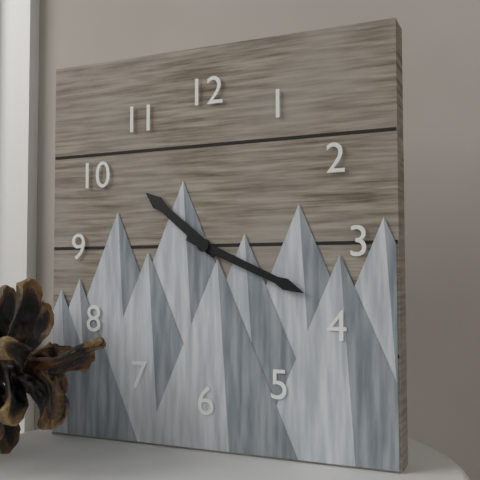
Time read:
10 h 19 min
